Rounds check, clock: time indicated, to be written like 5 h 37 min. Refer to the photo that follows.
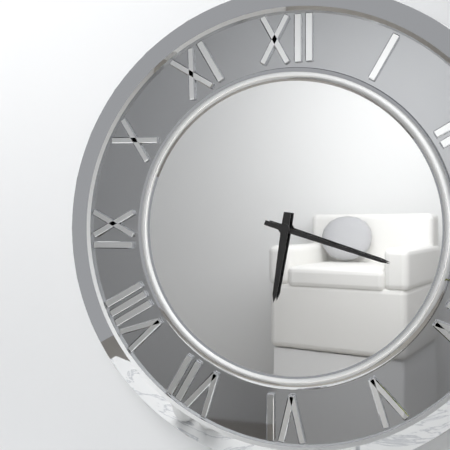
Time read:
6 h 18 min
